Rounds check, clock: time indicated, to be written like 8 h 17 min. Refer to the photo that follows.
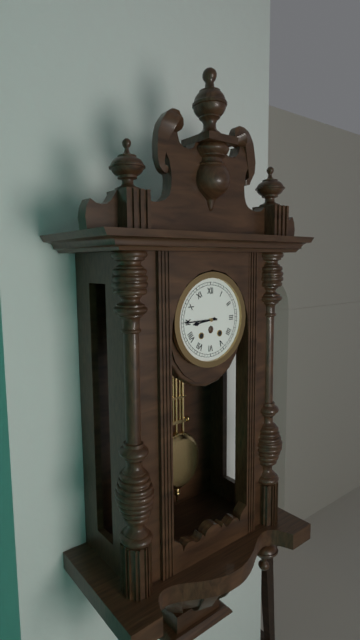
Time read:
8 h 45 min
